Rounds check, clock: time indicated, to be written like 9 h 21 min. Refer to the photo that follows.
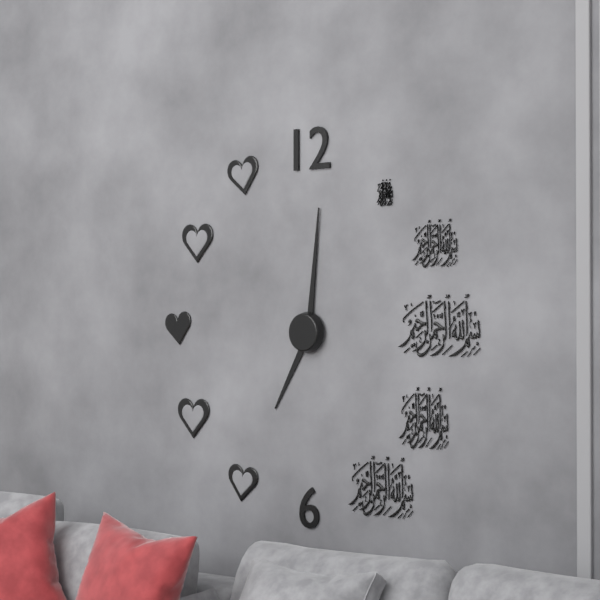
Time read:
7 h 01 min
